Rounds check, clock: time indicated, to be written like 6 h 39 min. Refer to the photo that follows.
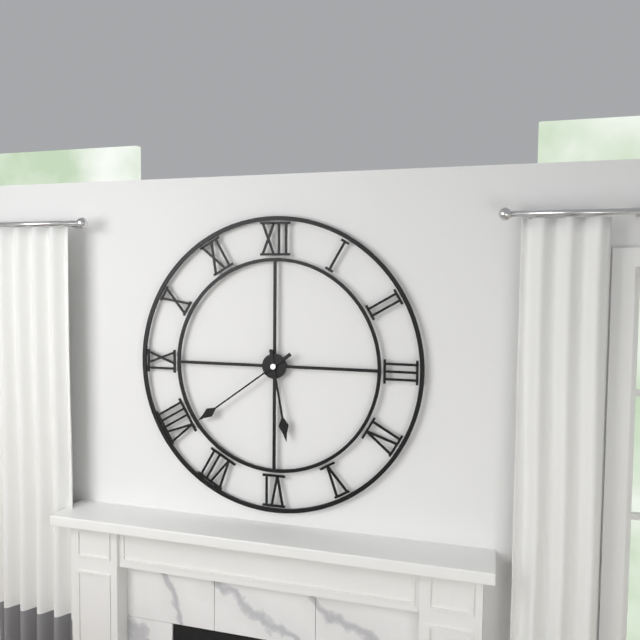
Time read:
5 h 39 min
